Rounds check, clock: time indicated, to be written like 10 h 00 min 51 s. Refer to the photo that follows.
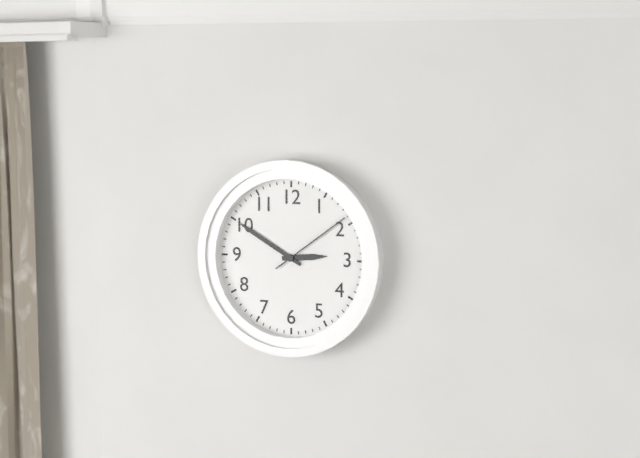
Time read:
2 h 50 min 09 s
